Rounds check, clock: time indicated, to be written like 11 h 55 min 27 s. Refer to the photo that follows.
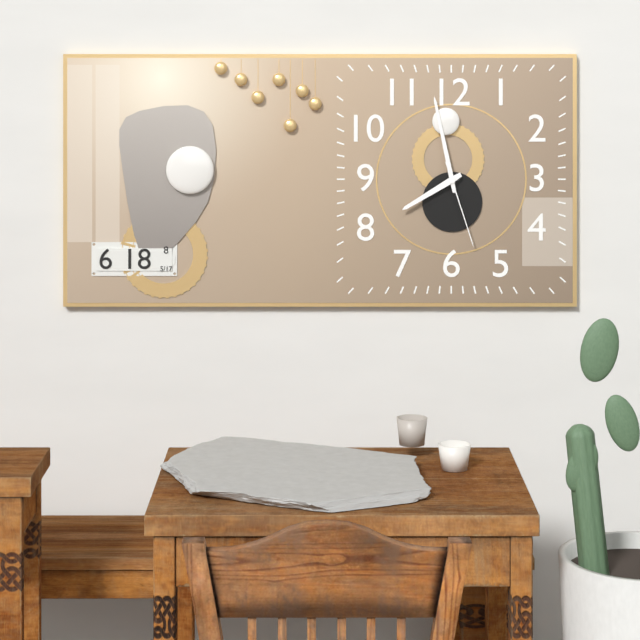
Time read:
7 h 58 min 27 s
